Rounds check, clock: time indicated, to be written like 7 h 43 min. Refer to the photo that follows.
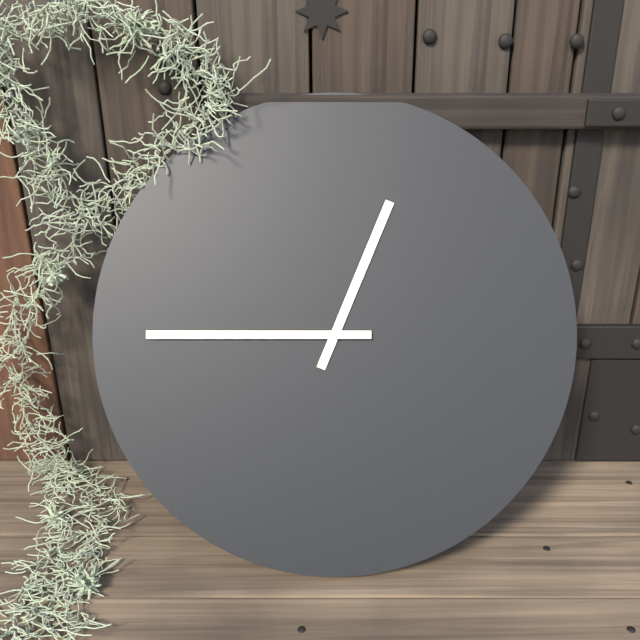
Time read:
12 h 45 min
